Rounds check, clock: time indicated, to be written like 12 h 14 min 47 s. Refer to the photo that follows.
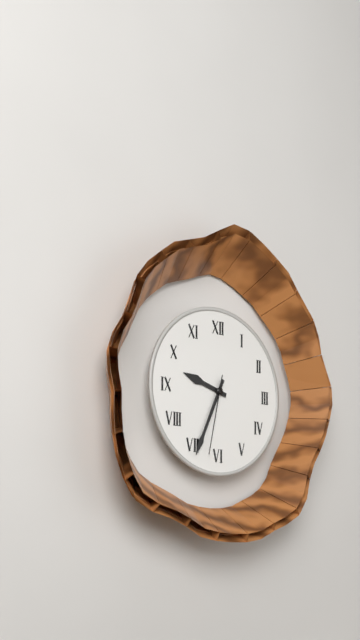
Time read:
9 h 34 min 32 s
